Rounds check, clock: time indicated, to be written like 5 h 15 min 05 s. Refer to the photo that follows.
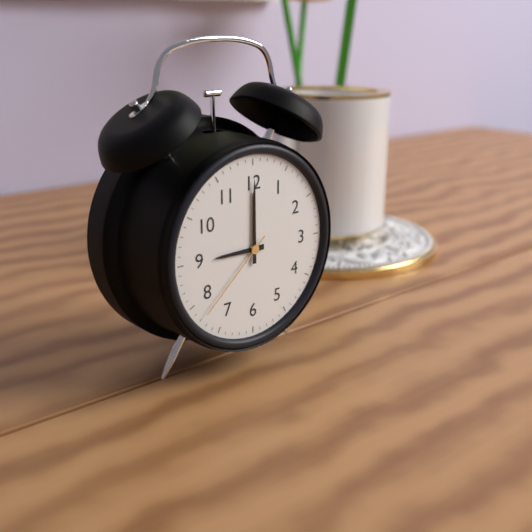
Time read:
9 h 00 min 38 s
